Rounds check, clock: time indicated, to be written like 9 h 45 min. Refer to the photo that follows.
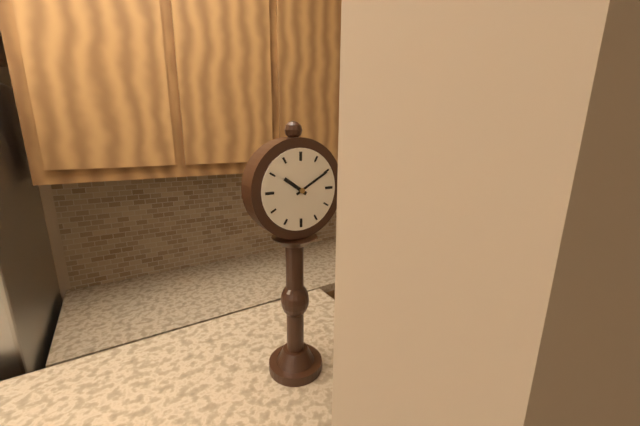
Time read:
10 h 10 min
